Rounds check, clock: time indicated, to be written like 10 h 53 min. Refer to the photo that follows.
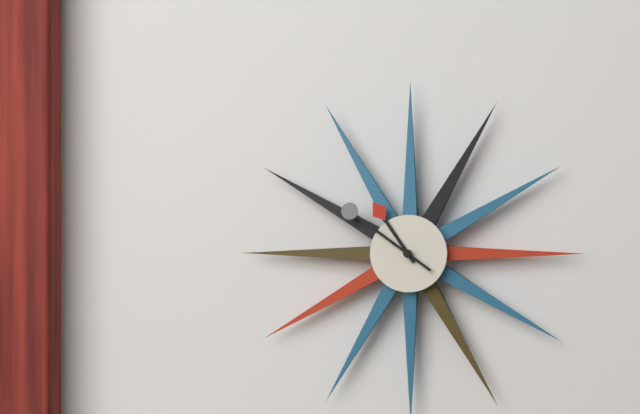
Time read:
10 h 51 min
